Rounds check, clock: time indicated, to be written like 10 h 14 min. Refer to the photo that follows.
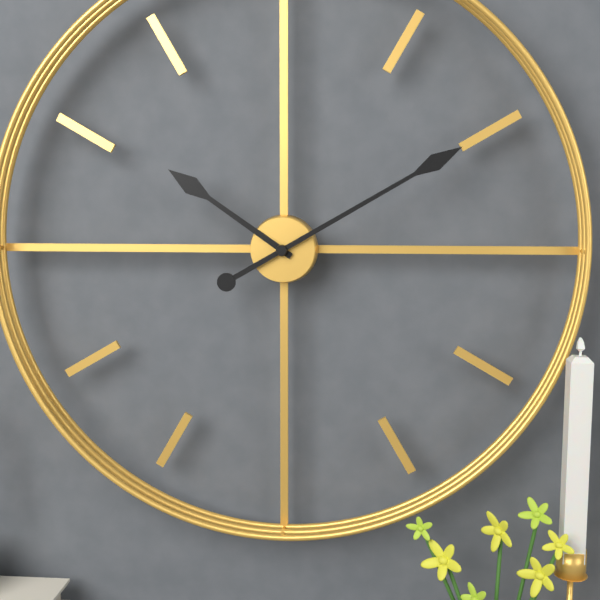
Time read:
10 h 10 min
